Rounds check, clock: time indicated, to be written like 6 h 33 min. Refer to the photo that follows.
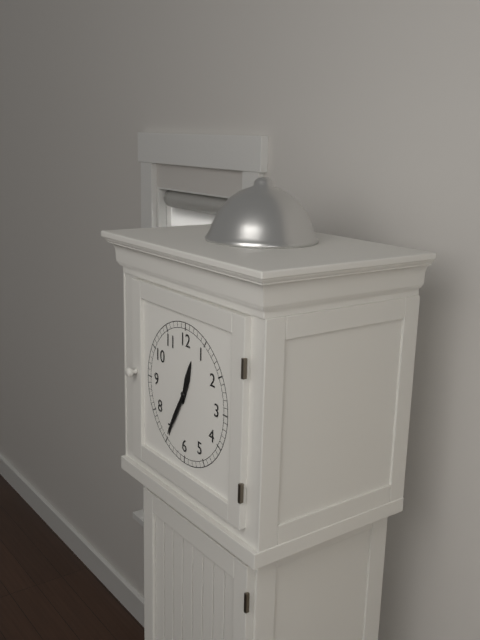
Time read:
12 h 35 min
